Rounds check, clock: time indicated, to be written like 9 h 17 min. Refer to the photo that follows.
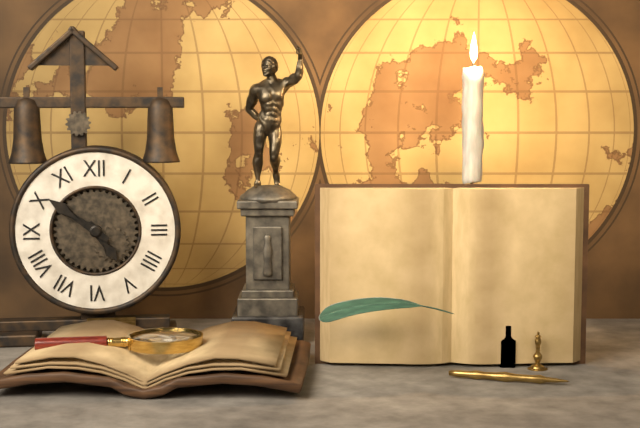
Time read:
4 h 51 min
